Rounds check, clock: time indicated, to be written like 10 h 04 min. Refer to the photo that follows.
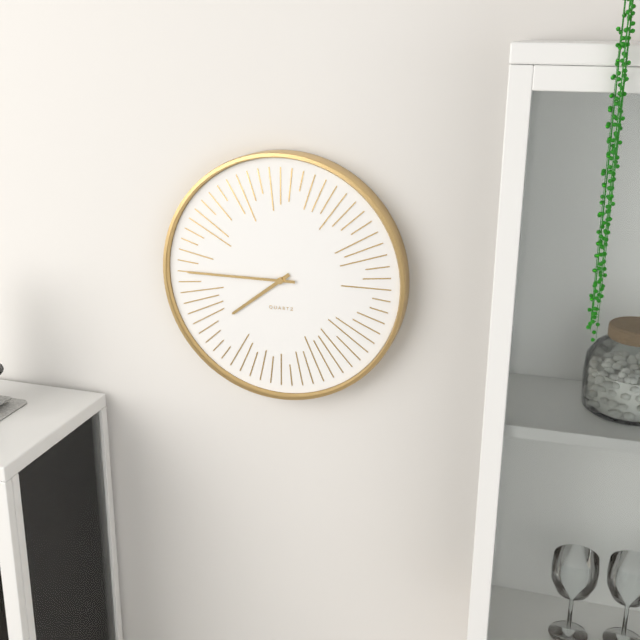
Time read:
7 h 45 min
